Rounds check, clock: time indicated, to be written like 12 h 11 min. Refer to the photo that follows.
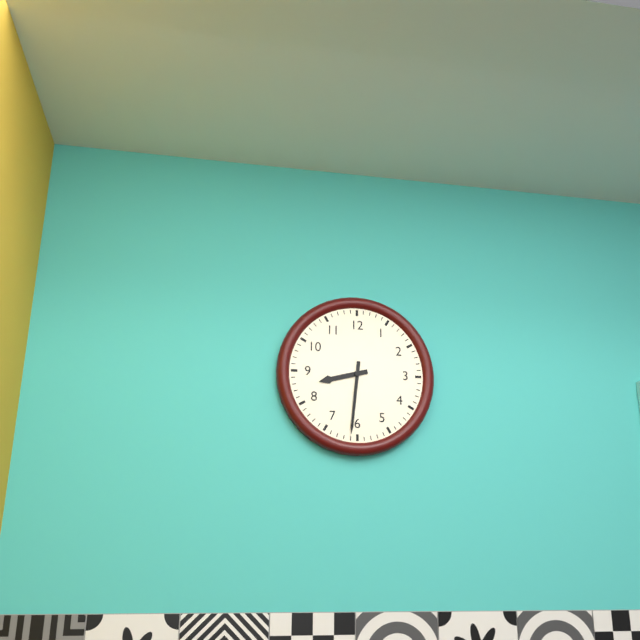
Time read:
8 h 31 min
